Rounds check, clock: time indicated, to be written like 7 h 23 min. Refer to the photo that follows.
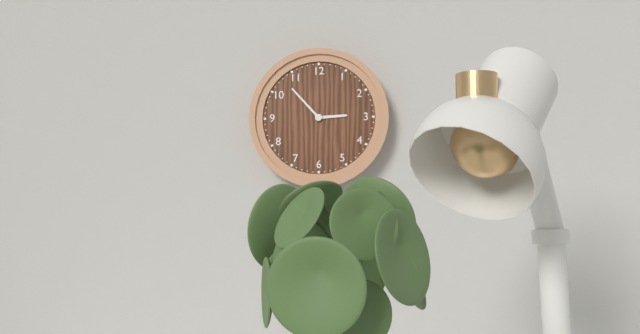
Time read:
2 h 53 min
